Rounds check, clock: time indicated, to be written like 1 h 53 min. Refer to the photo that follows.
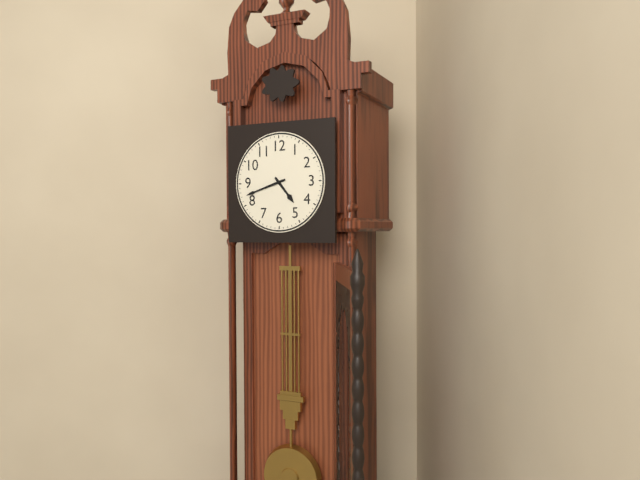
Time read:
4 h 42 min
